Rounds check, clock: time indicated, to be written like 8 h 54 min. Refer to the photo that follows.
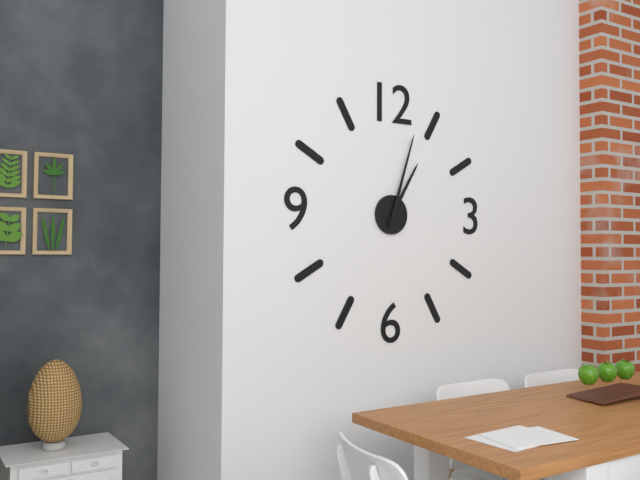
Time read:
1 h 03 min
